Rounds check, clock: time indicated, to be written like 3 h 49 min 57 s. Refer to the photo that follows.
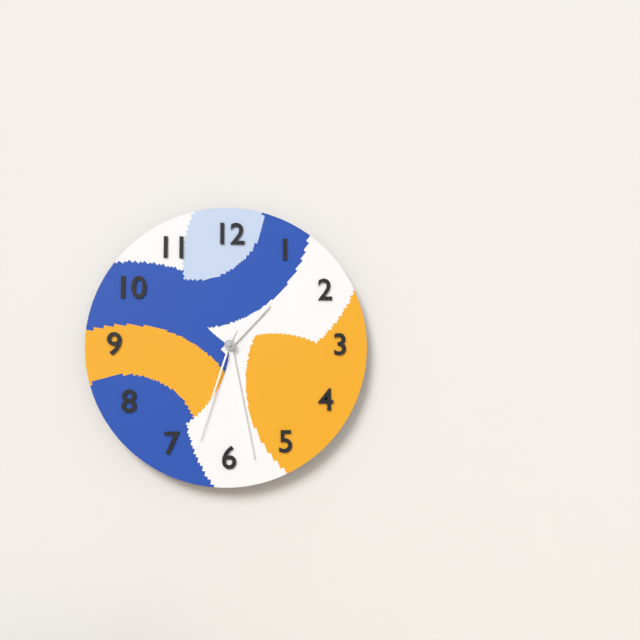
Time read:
1 h 28 min 33 s
